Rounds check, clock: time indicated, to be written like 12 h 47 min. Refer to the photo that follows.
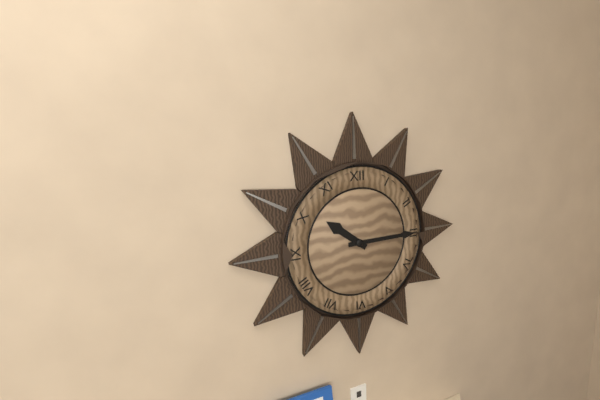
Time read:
10 h 15 min
